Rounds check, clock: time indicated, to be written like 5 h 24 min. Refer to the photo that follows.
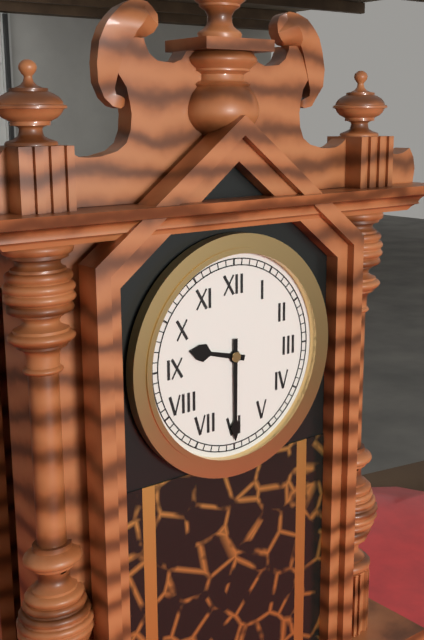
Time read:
9 h 30 min
